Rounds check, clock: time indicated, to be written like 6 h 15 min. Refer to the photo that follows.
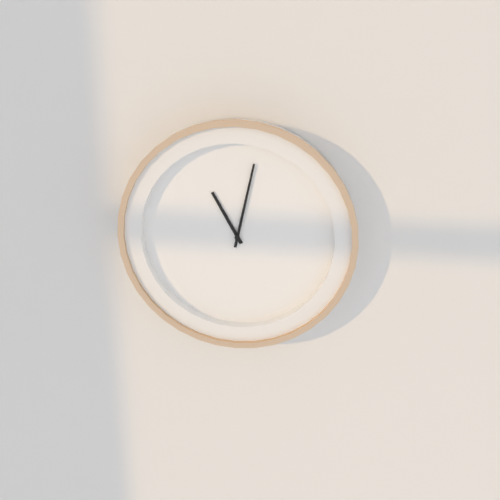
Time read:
11 h 02 min
